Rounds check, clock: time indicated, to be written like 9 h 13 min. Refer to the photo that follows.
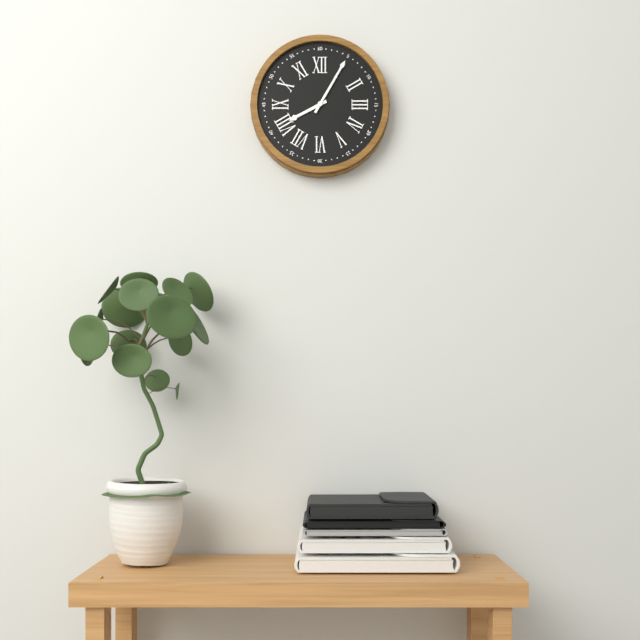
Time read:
8 h 05 min
